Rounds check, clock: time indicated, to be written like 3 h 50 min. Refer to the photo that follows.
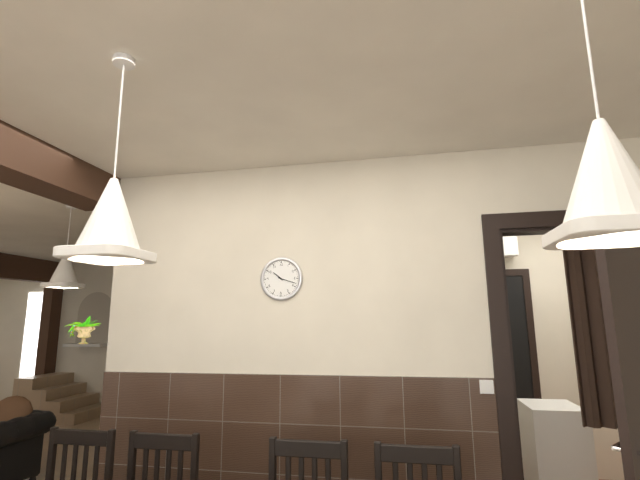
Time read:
10 h 18 min
